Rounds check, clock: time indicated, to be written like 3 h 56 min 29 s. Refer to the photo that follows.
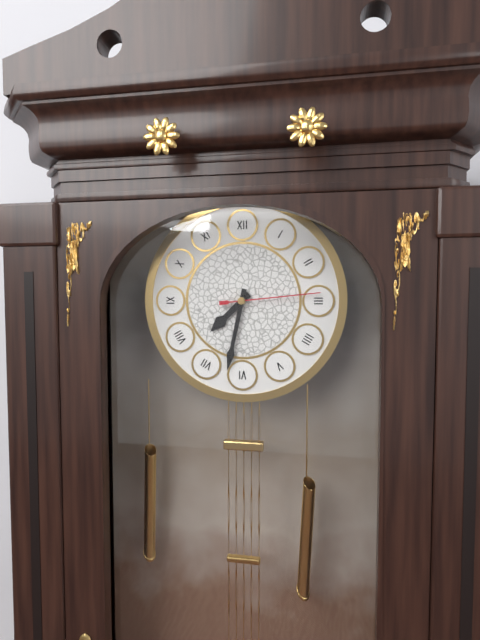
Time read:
7 h 32 min 14 s
